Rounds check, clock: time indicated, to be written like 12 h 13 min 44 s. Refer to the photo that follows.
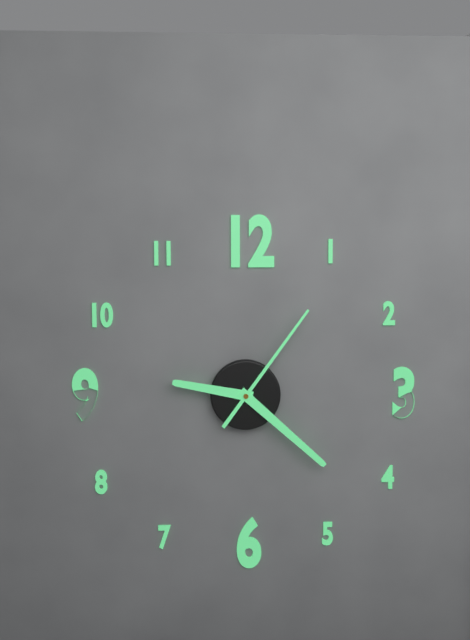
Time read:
9 h 22 min 06 s
